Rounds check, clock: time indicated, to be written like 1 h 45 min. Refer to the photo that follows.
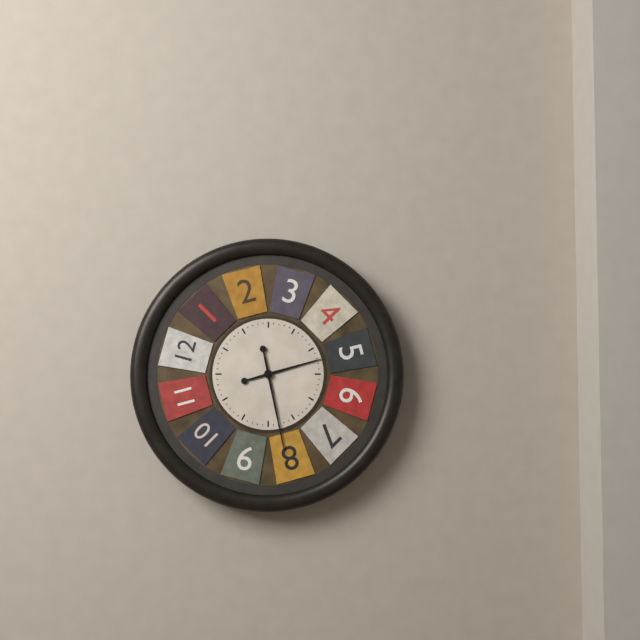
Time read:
2 h 28 min
